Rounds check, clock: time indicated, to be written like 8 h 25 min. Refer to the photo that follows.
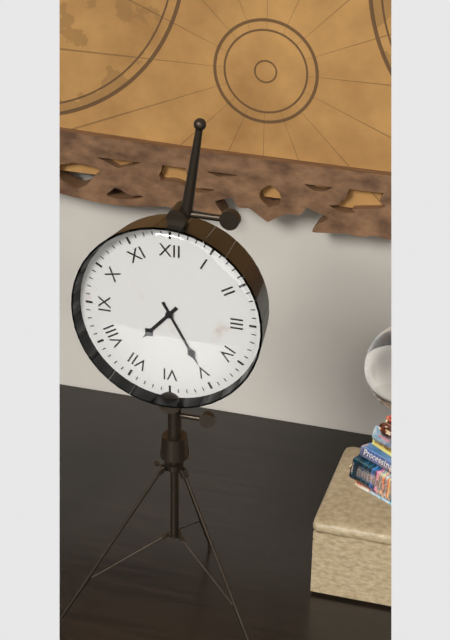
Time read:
7 h 25 min
